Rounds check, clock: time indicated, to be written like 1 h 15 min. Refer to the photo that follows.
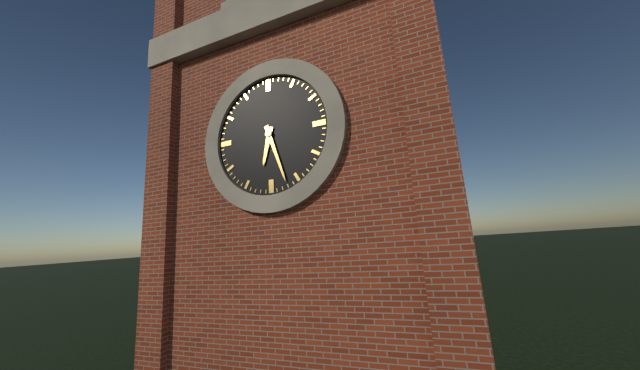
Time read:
6 h 27 min
